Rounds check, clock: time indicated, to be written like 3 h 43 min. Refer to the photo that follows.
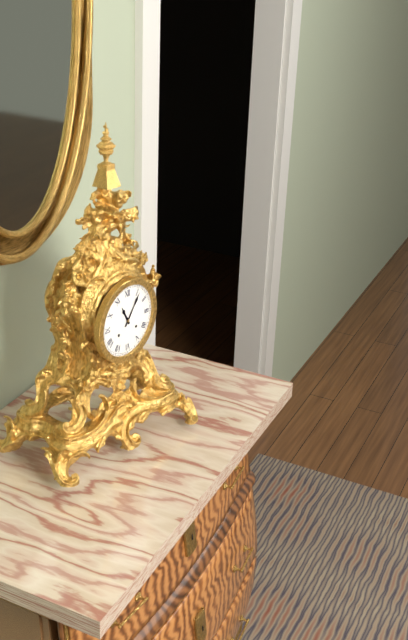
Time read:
11 h 06 min
